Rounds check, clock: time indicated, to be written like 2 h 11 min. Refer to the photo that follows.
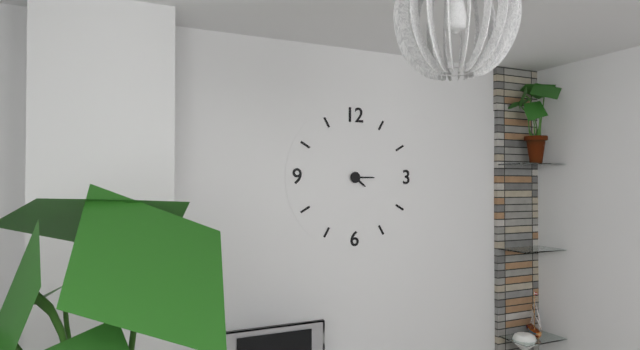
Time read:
4 h 15 min
